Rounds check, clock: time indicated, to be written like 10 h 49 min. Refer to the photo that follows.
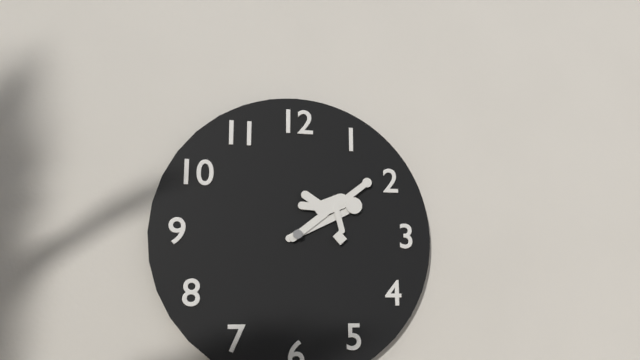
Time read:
2 h 08 min
